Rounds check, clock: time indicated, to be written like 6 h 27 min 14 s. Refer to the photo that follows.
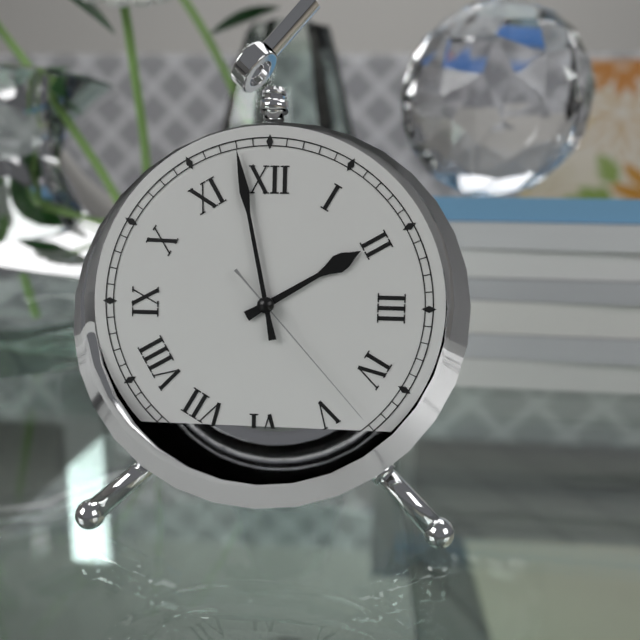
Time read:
1 h 58 min 23 s
